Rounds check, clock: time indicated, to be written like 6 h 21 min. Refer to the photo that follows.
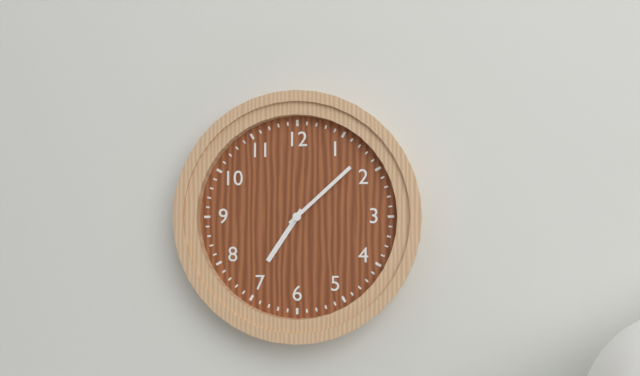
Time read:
7 h 08 min
